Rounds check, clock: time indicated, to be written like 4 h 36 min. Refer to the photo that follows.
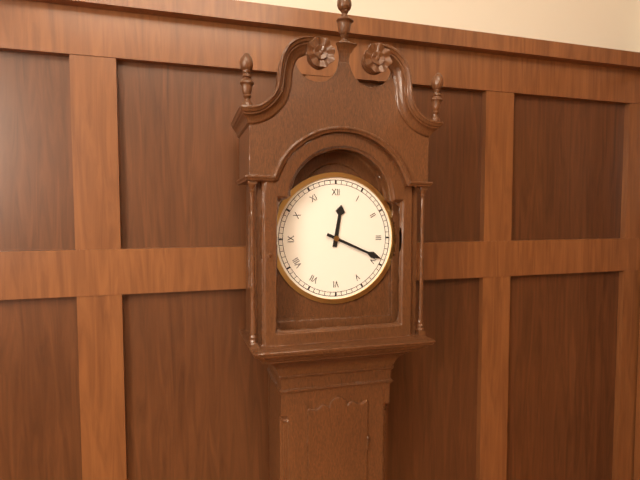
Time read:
12 h 19 min
